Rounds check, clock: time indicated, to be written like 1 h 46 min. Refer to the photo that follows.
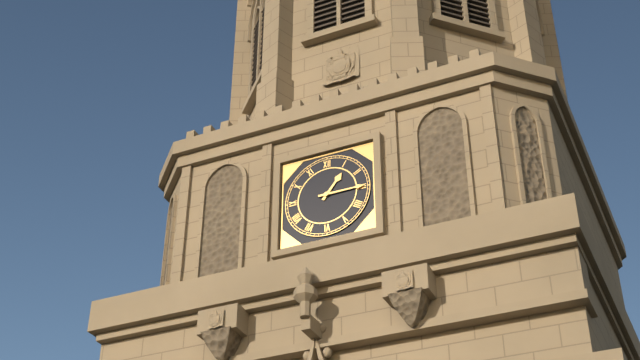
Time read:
1 h 15 min
